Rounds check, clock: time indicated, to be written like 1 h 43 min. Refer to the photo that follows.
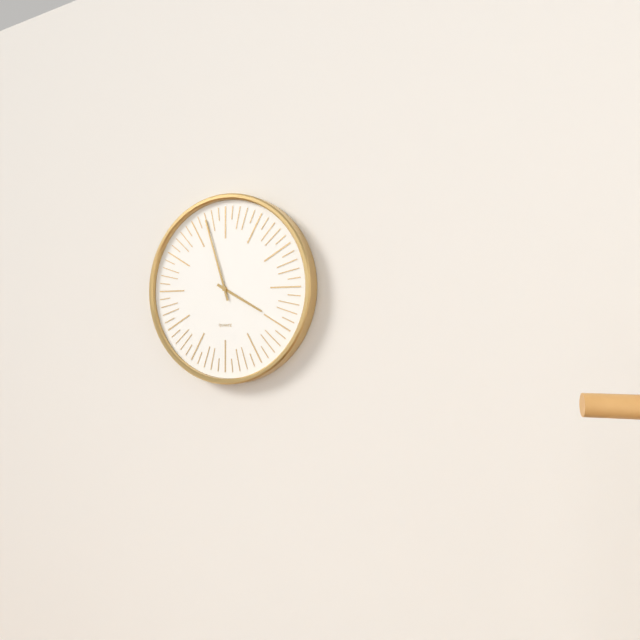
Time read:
3 h 57 min
